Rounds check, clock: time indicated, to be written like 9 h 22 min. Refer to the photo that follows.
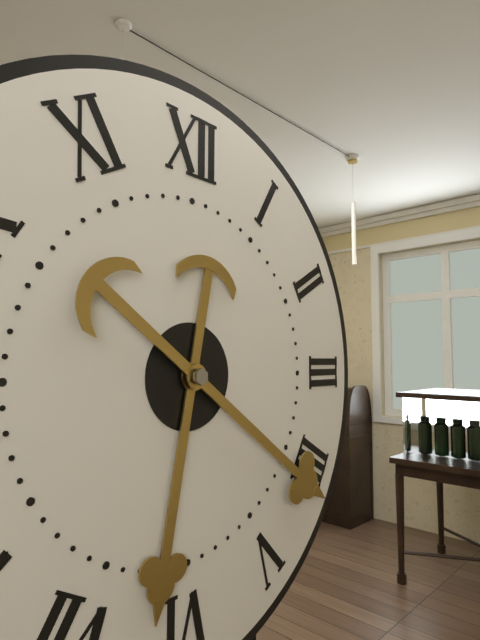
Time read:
6 h 21 min
